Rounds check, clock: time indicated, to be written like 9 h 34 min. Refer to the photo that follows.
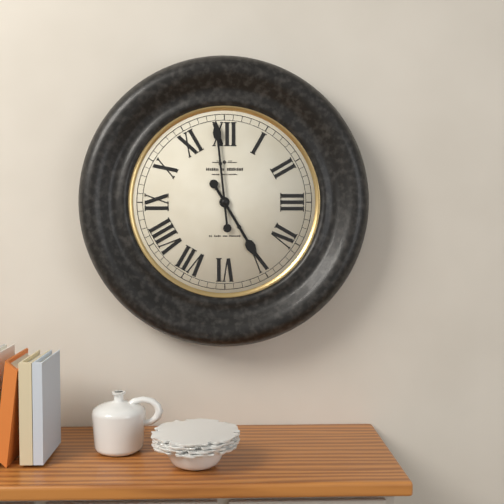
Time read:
4 h 59 min
